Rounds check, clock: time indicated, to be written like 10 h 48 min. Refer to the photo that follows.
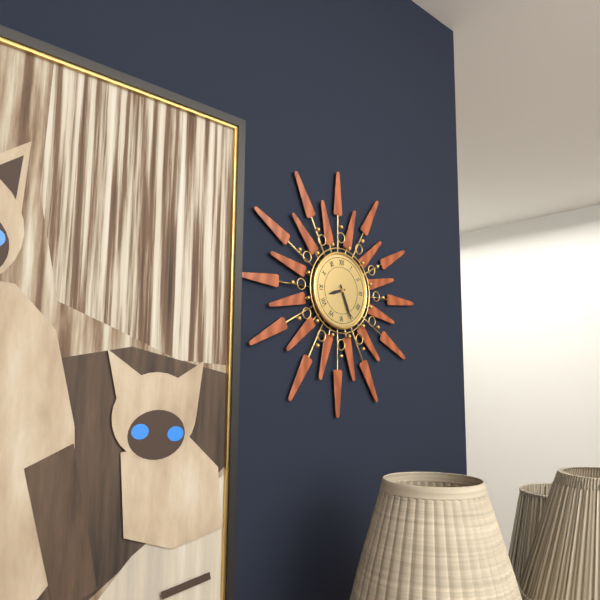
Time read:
8 h 26 min
